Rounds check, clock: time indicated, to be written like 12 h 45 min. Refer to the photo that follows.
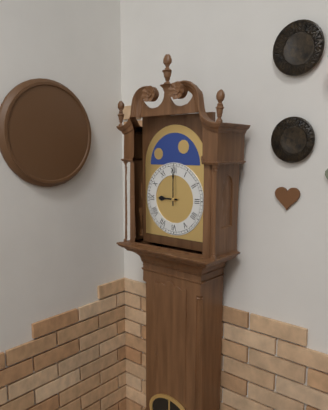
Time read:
9 h 00 min
